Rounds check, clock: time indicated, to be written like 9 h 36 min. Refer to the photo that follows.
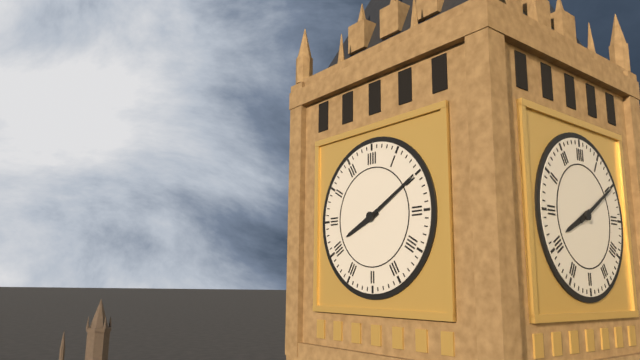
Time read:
8 h 10 min
